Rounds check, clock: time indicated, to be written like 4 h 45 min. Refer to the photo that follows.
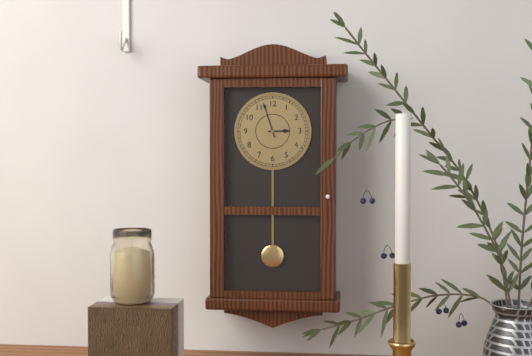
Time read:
2 h 57 min
